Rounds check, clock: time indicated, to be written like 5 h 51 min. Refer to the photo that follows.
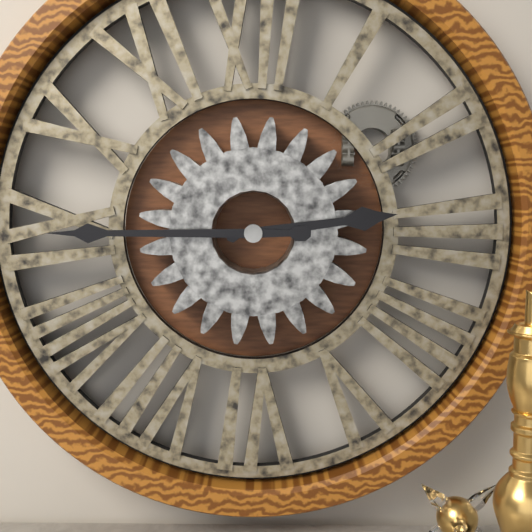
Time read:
2 h 45 min
